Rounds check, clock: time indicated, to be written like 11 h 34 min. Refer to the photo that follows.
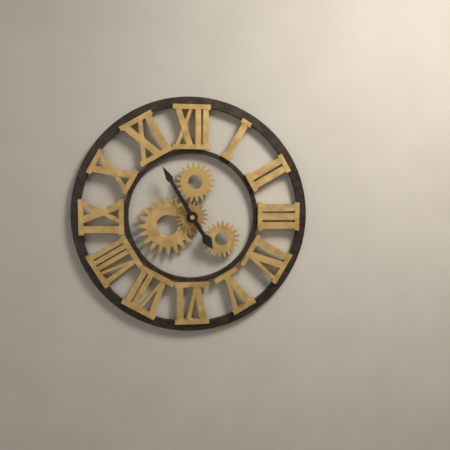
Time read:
4 h 55 min
